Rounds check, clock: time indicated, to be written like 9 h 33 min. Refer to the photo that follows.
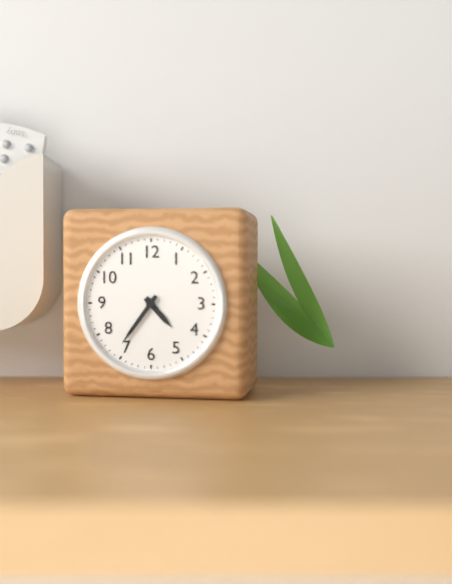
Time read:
4 h 36 min
